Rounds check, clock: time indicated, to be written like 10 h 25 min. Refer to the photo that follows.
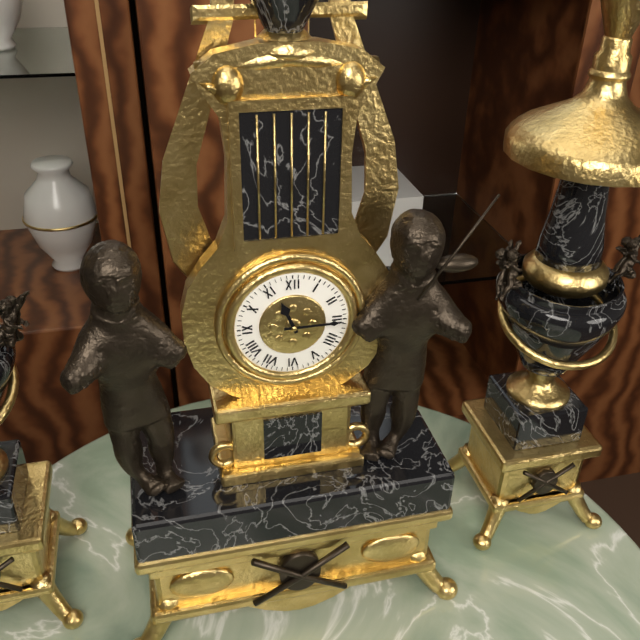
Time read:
11 h 15 min
